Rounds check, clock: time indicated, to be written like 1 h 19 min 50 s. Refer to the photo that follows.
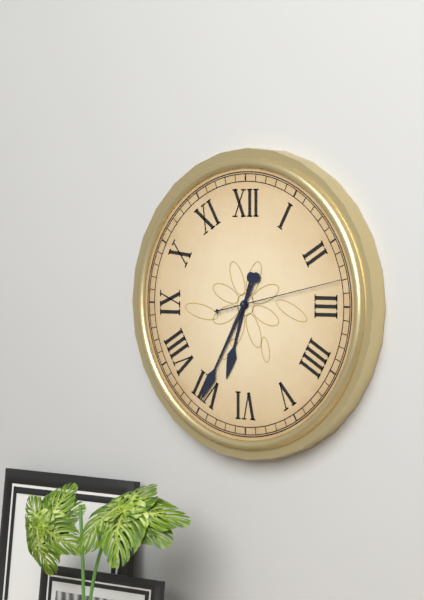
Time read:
6 h 35 min 13 s
